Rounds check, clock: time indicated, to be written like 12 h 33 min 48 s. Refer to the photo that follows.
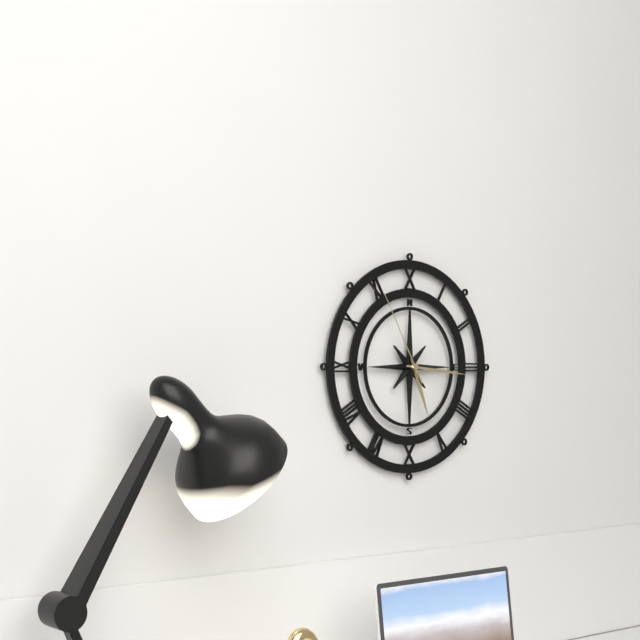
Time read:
5 h 16 min 55 s
